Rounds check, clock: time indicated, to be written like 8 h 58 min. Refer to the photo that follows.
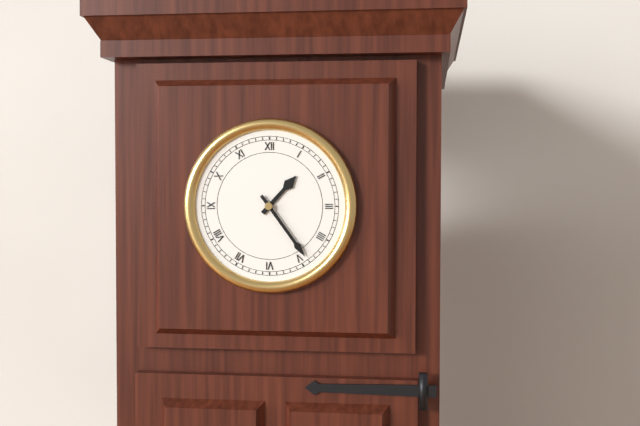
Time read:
1 h 24 min
